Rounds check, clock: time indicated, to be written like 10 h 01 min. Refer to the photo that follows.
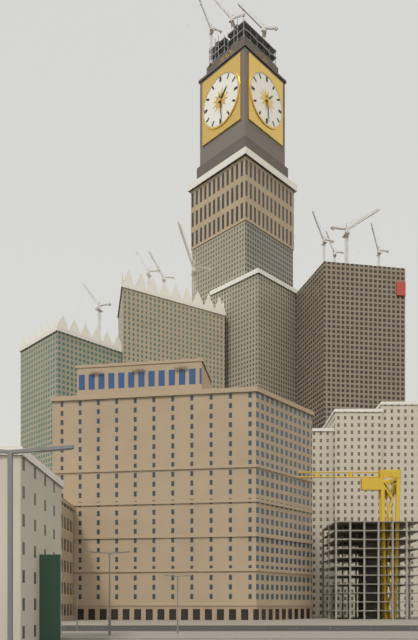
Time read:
1 h 29 min
